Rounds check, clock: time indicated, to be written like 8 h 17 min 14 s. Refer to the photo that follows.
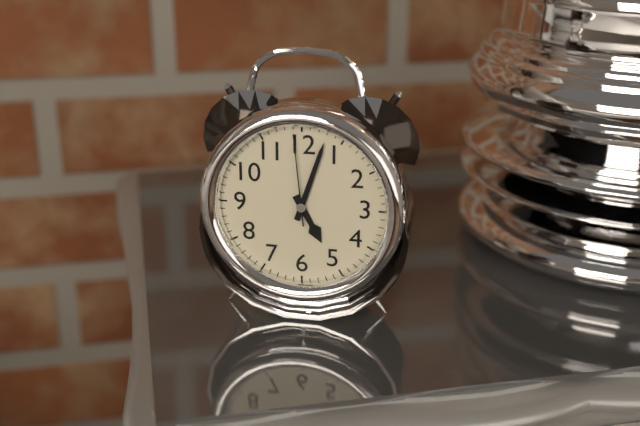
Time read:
5 h 03 min 59 s
